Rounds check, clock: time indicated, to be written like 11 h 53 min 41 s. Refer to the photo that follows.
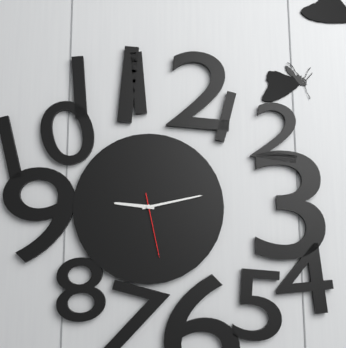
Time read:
9 h 13 min 28 s
